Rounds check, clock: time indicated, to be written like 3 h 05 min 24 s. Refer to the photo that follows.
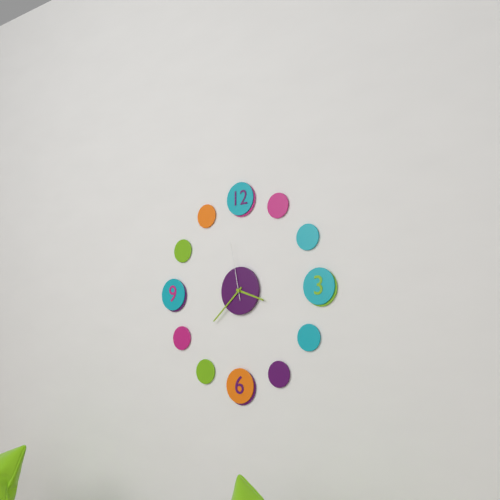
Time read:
3 h 38 min 58 s
